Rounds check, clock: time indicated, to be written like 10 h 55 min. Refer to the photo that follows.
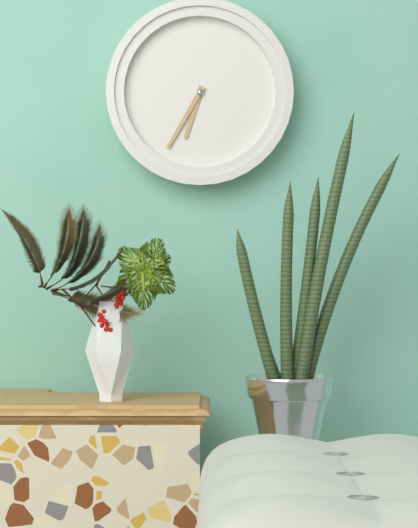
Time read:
6 h 35 min
